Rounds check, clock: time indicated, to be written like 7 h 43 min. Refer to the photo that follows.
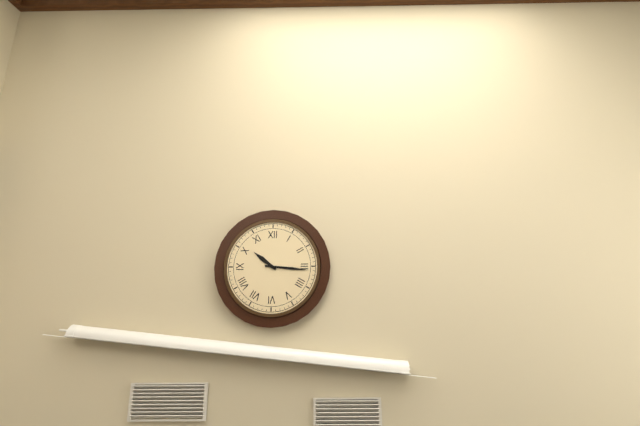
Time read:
10 h 16 min
